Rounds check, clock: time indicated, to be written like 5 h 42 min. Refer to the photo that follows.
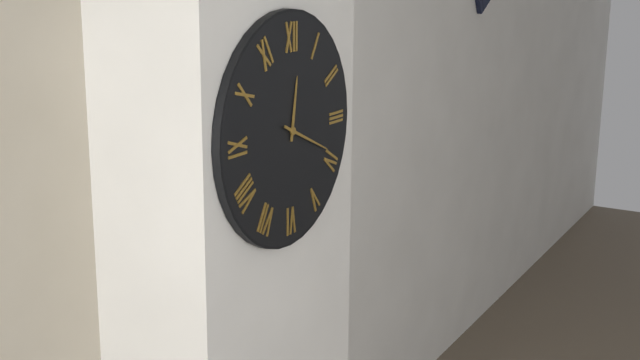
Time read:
12 h 19 min
